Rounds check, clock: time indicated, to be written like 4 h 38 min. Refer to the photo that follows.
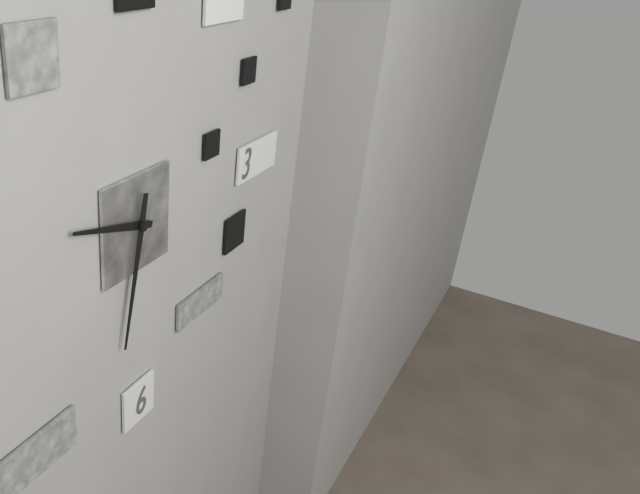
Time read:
9 h 32 min
